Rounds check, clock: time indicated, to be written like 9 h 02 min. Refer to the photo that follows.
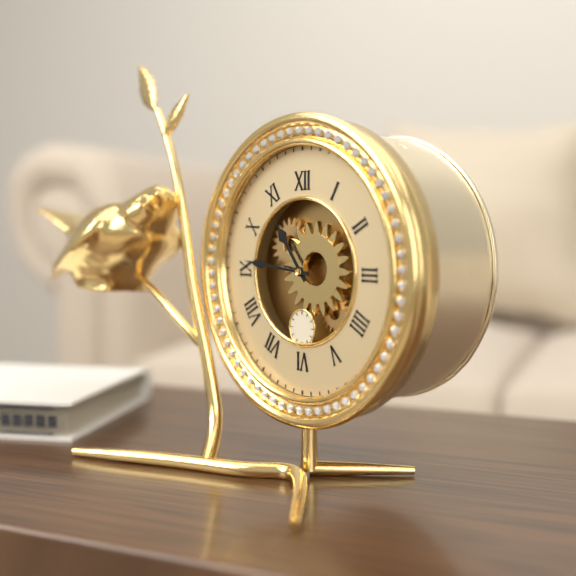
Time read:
10 h 46 min
